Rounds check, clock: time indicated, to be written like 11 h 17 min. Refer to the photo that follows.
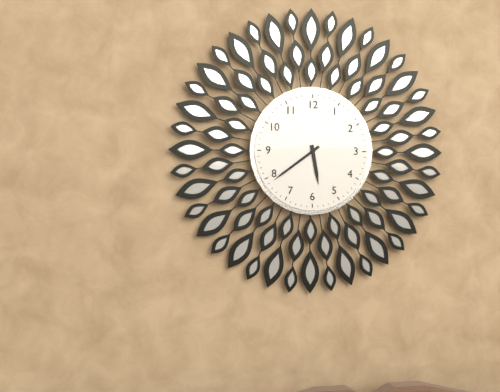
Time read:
5 h 39 min
